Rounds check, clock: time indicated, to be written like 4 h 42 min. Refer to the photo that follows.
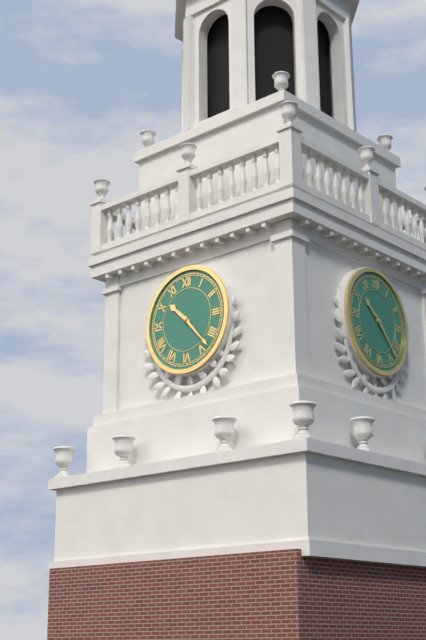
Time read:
10 h 23 min
